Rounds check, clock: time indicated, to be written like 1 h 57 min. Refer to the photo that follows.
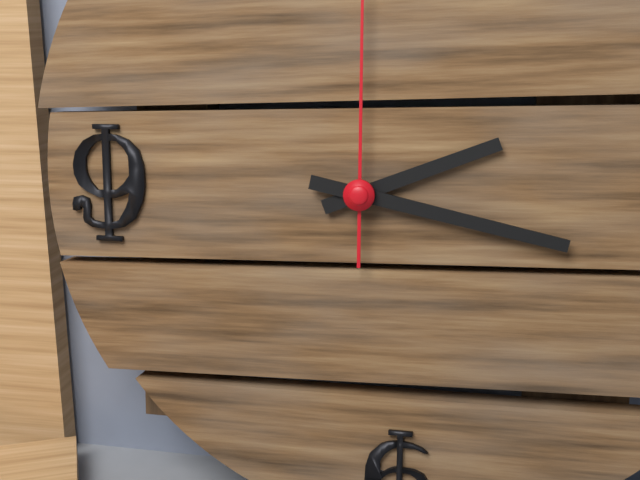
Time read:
2 h 17 min
